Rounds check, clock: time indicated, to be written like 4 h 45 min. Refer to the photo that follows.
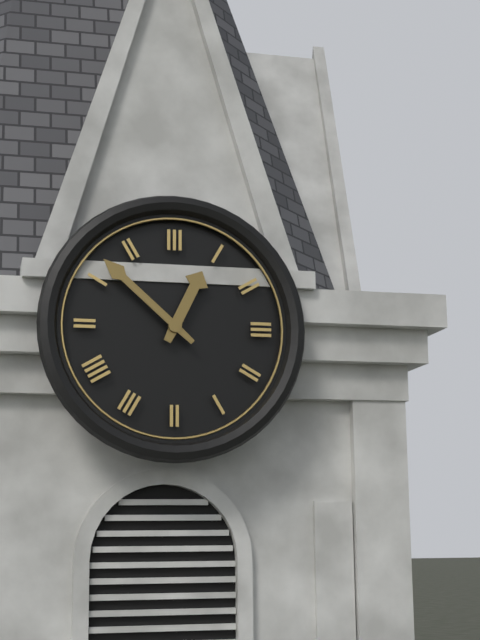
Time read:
12 h 52 min
